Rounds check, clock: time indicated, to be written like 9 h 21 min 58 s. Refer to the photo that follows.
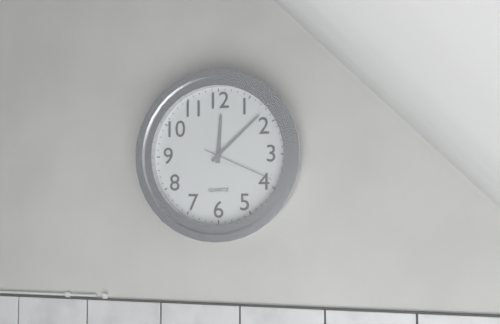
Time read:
12 h 08 min 19 s
